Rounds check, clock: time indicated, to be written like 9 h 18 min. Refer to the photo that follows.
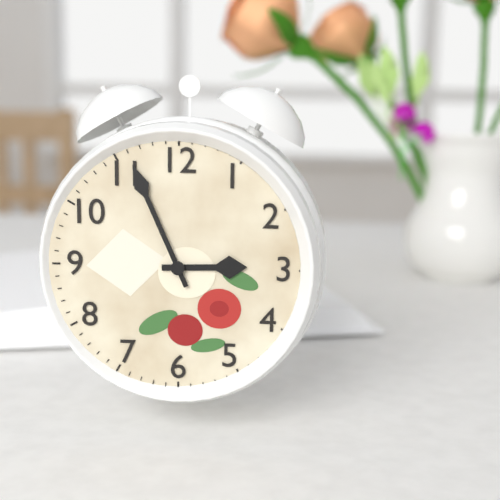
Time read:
2 h 56 min
